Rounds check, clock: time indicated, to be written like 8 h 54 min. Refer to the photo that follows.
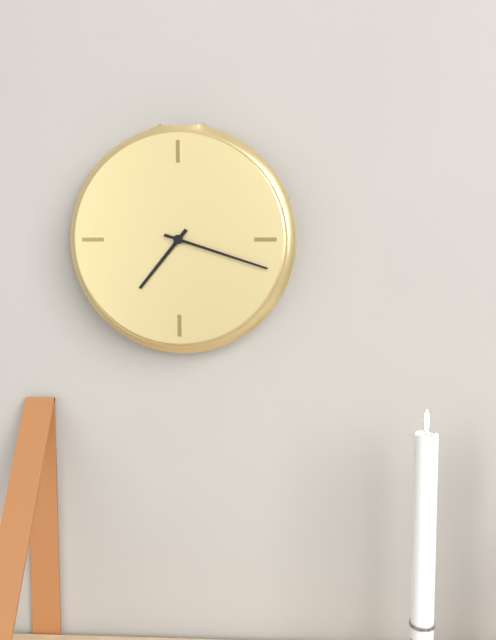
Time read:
7 h 18 min
